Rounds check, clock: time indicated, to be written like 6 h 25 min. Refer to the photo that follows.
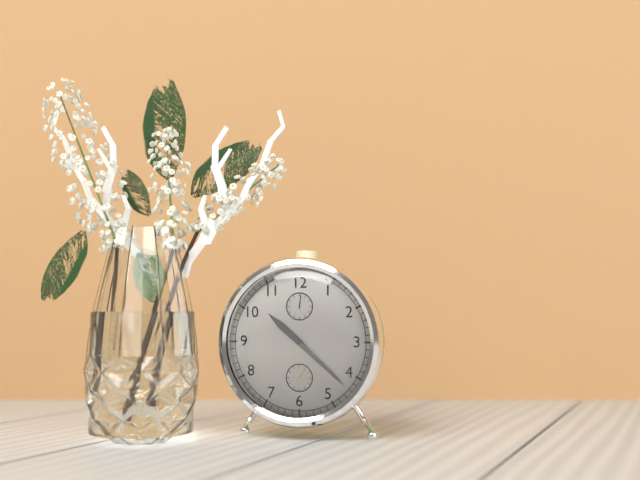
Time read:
10 h 22 min
